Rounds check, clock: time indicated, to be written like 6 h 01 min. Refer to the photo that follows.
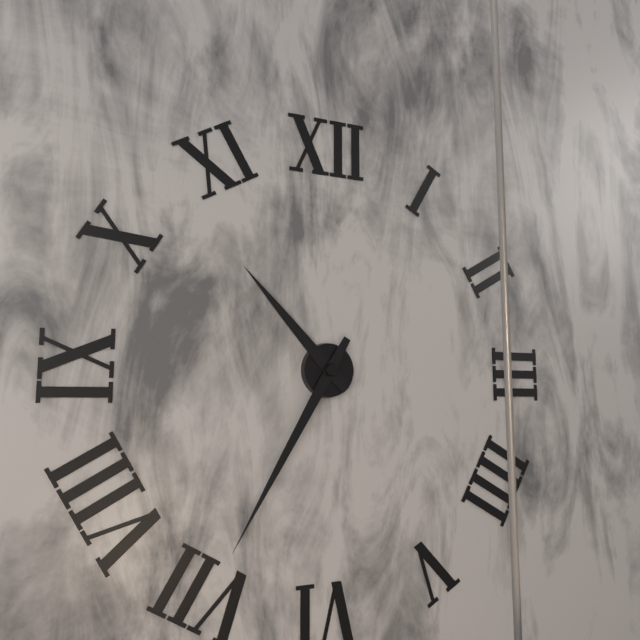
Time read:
10 h 35 min
